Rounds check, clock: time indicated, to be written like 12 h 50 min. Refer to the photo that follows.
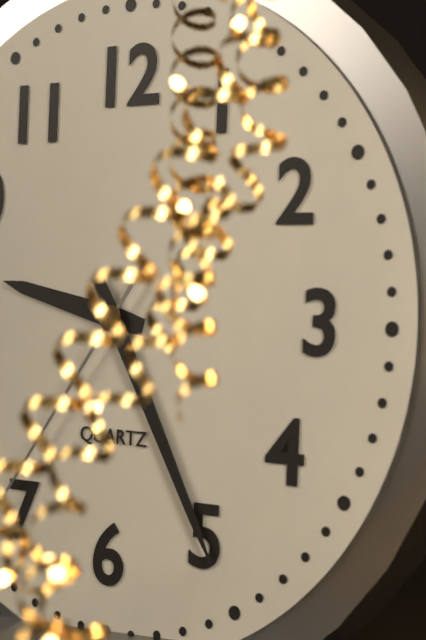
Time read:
9 h 25 min
